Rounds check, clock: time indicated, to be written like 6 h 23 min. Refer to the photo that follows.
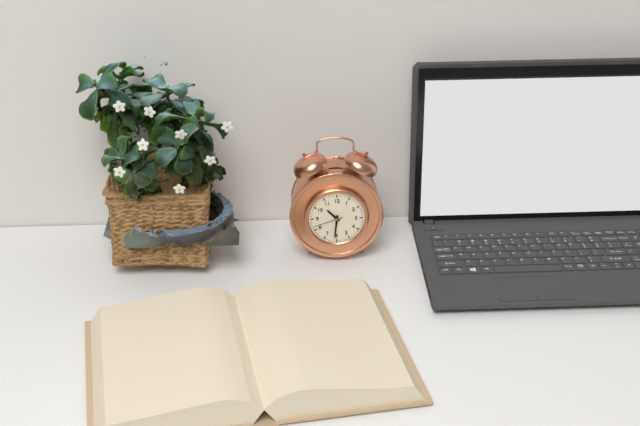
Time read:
10 h 31 min
